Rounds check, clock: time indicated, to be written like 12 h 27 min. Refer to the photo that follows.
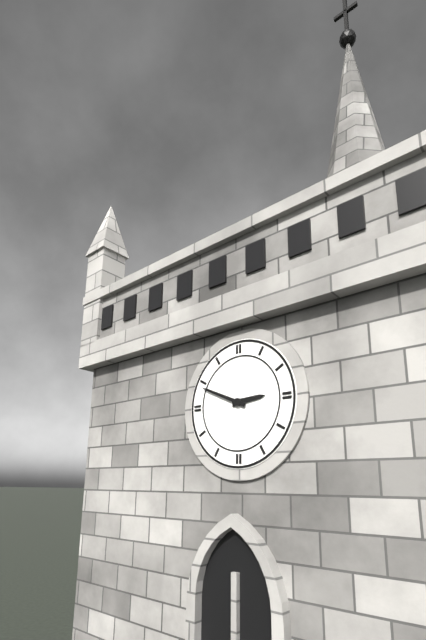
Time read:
2 h 49 min
